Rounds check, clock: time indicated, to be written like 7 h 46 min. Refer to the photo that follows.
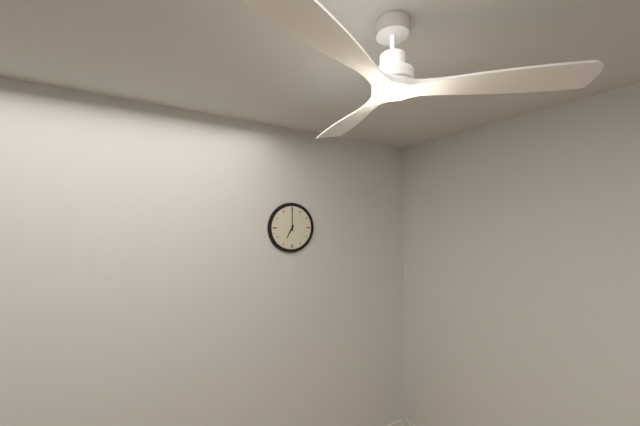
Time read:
7 h 00 min
